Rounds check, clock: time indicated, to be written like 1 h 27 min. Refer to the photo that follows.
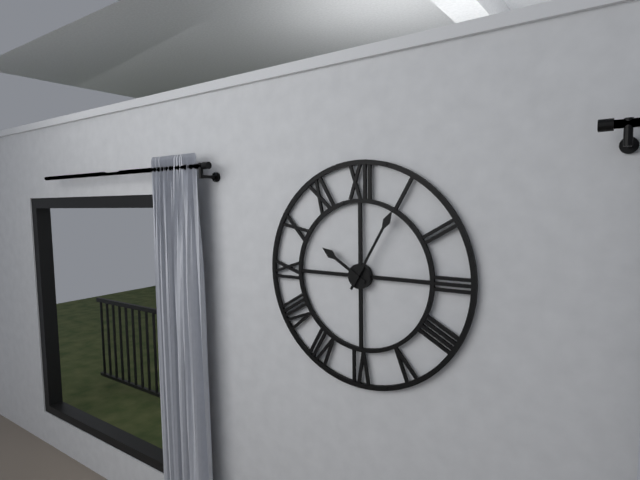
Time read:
10 h 05 min
